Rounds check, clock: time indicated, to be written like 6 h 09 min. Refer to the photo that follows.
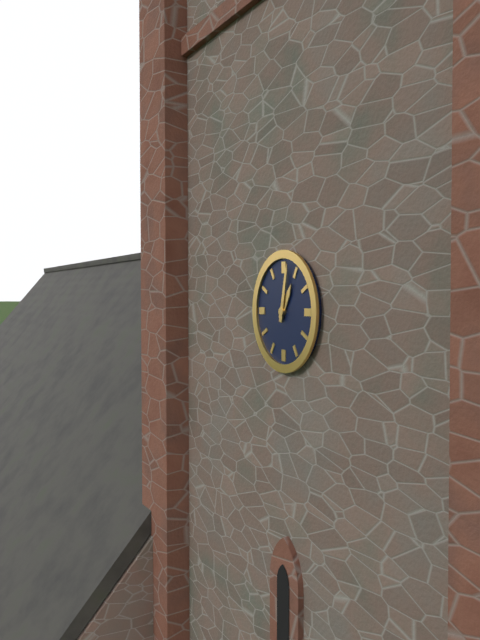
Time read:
1 h 02 min
